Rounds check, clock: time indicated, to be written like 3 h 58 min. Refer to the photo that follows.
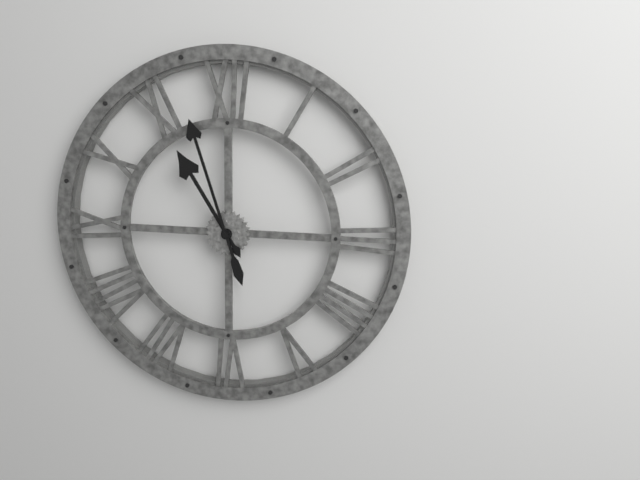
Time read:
10 h 57 min
